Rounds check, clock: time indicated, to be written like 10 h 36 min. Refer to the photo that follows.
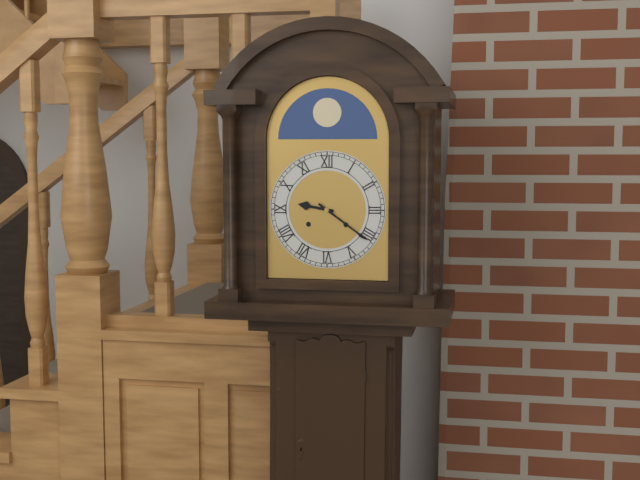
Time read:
9 h 21 min
